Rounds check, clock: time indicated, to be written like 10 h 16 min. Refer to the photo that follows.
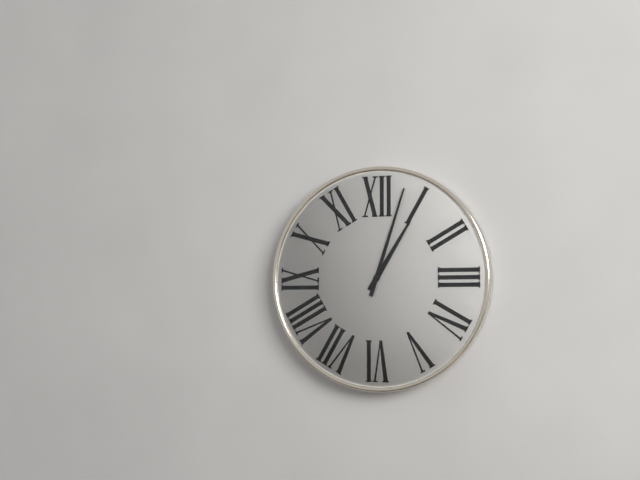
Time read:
1 h 03 min
